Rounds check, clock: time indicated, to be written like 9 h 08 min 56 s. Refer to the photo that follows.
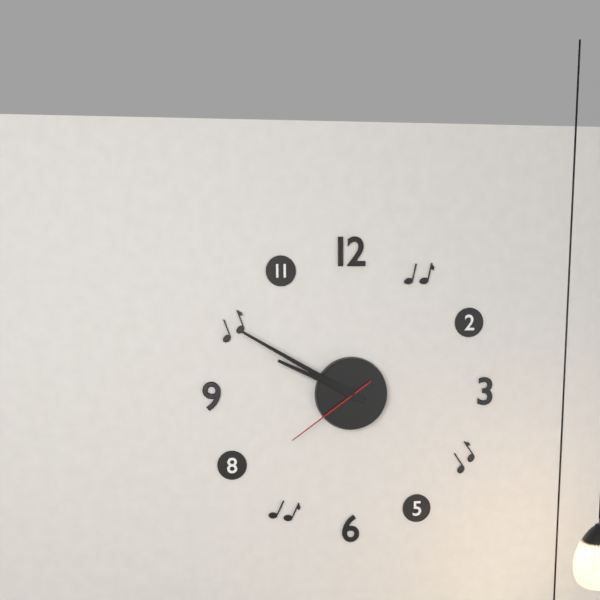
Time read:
9 h 50 min 39 s
